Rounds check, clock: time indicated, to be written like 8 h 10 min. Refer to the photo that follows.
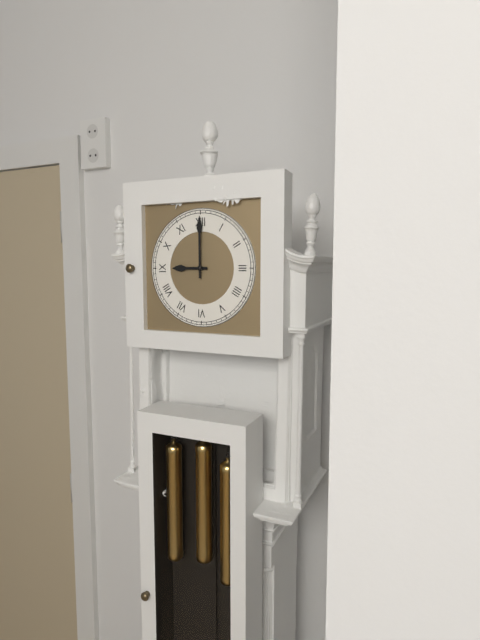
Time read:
9 h 00 min
